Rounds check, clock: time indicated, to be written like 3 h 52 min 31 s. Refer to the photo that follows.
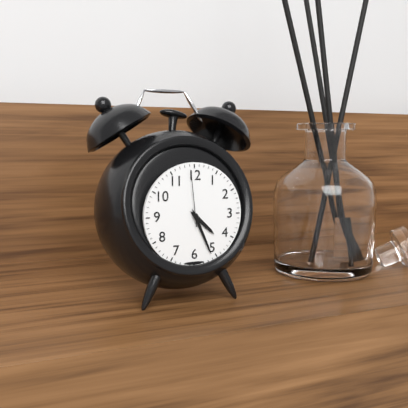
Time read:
4 h 26 min 59 s
